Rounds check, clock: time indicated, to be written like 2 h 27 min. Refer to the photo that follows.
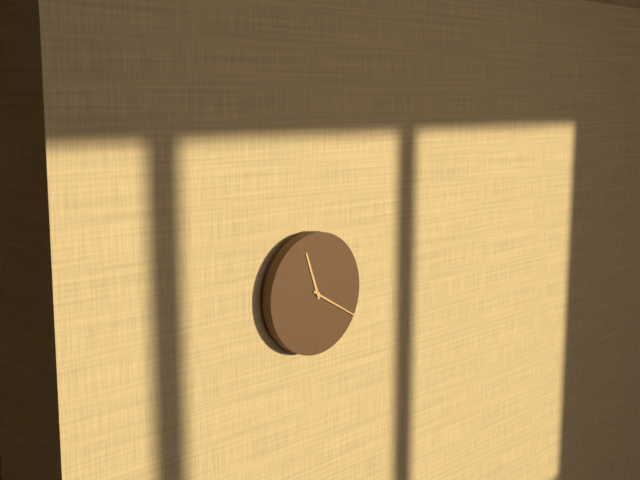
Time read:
11 h 20 min
